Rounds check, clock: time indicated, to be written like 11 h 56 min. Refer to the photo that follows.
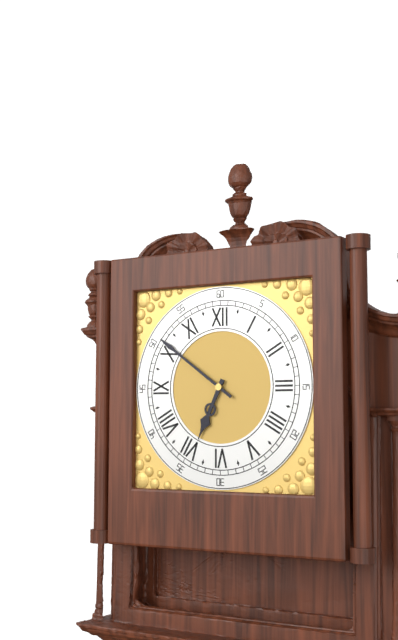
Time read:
6 h 51 min
